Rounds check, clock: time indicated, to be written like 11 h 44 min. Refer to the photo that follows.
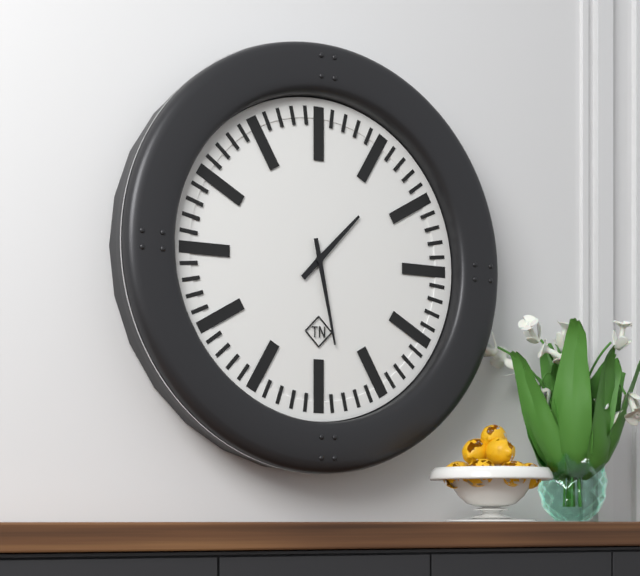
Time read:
1 h 28 min
